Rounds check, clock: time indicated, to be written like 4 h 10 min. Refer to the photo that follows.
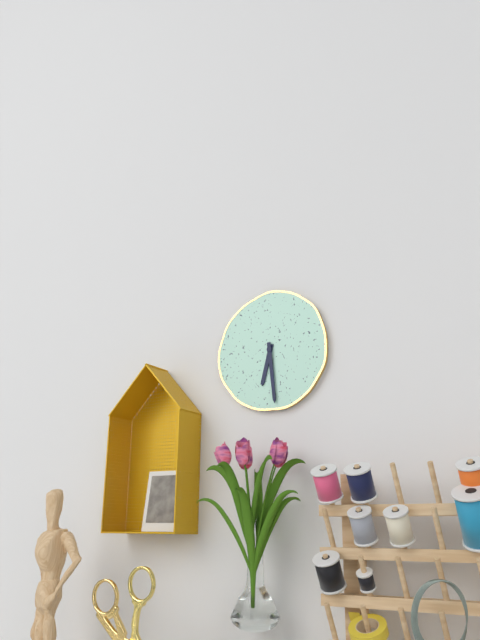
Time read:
6 h 29 min
